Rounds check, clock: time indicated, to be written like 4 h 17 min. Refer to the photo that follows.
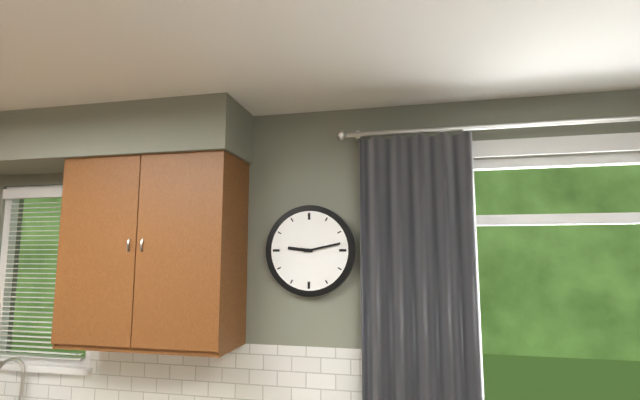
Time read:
9 h 13 min
